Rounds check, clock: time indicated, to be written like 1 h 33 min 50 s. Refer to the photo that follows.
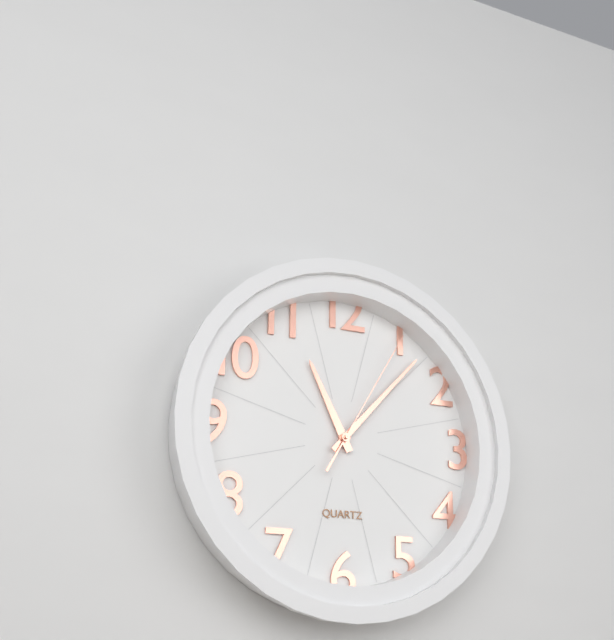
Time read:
11 h 07 min 05 s
